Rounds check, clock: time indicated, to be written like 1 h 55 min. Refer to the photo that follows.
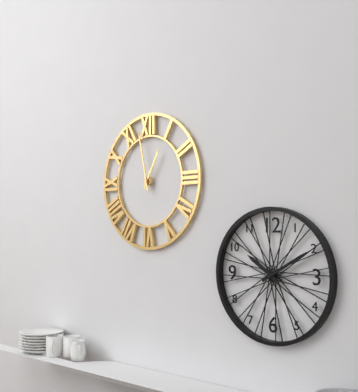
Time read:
12 h 58 min
